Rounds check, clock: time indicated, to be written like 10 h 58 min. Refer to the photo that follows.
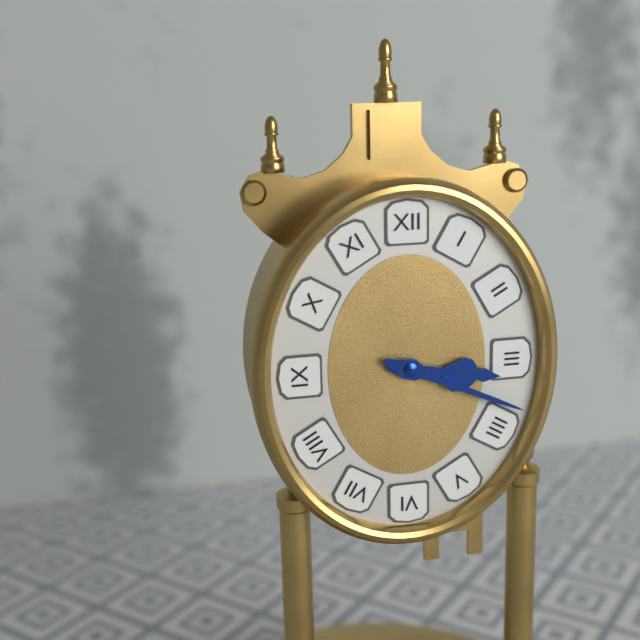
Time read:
3 h 19 min
